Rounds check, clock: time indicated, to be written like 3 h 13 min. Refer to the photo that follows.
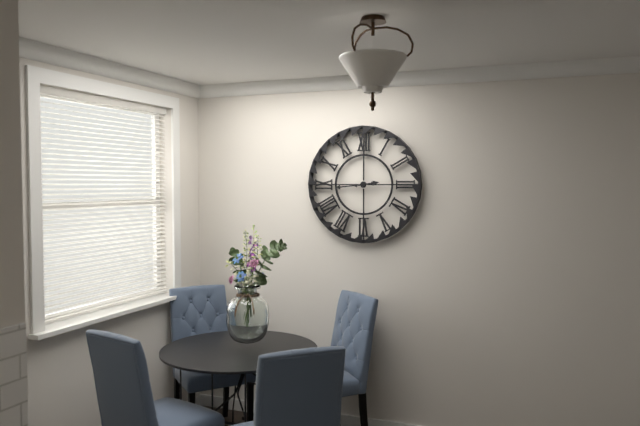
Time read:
2 h 44 min
